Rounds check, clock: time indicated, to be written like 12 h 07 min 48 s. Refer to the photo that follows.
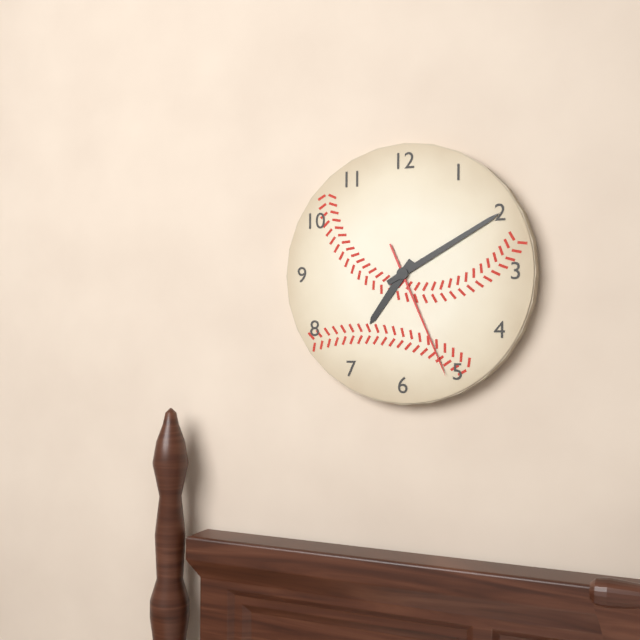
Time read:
7 h 10 min 26 s
